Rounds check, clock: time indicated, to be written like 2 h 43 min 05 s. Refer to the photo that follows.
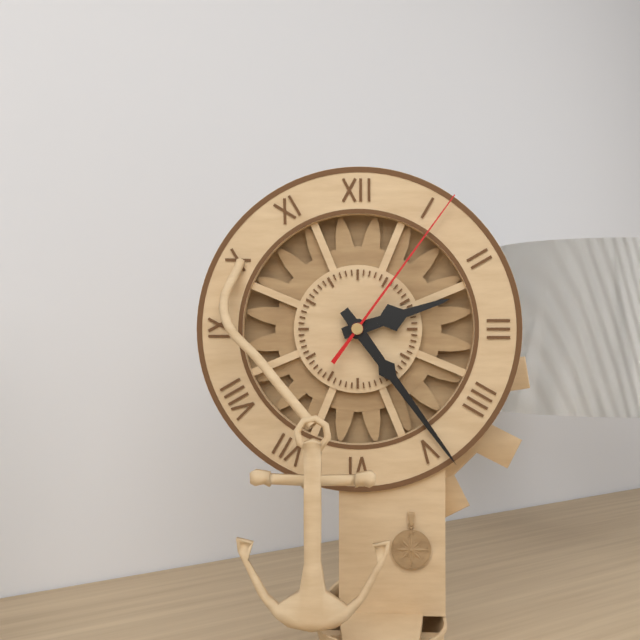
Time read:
2 h 24 min 06 s
